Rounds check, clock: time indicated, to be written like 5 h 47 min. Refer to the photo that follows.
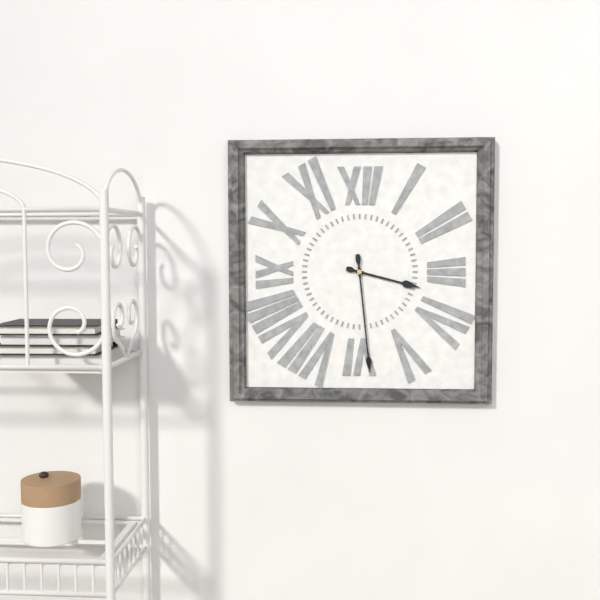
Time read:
3 h 29 min
